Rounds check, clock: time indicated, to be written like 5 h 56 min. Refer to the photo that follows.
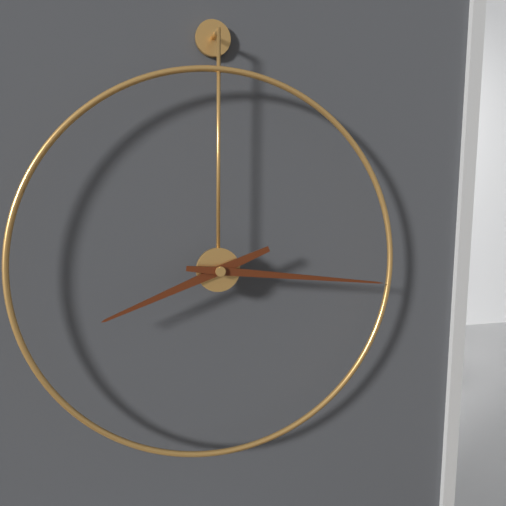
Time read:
8 h 16 min
